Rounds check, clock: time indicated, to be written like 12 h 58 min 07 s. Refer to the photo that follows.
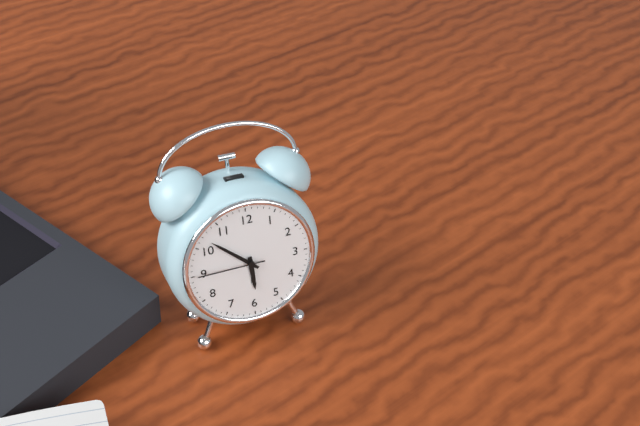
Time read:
5 h 52 min 45 s
